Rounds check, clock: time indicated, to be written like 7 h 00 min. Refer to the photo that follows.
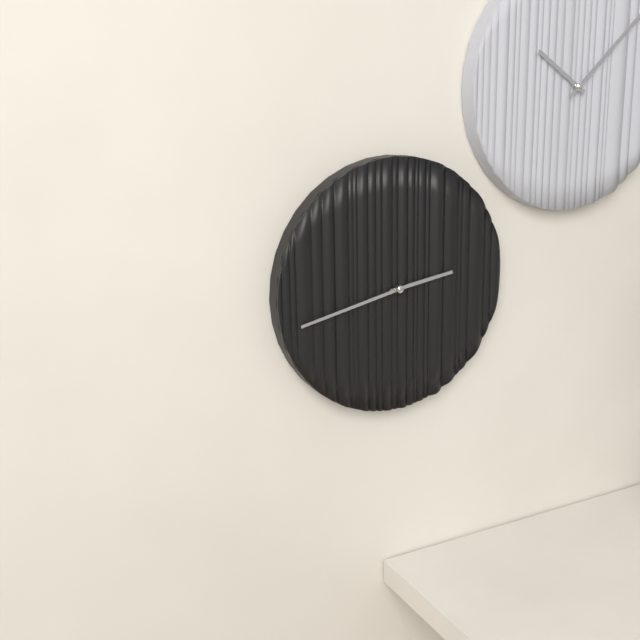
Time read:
2 h 43 min
